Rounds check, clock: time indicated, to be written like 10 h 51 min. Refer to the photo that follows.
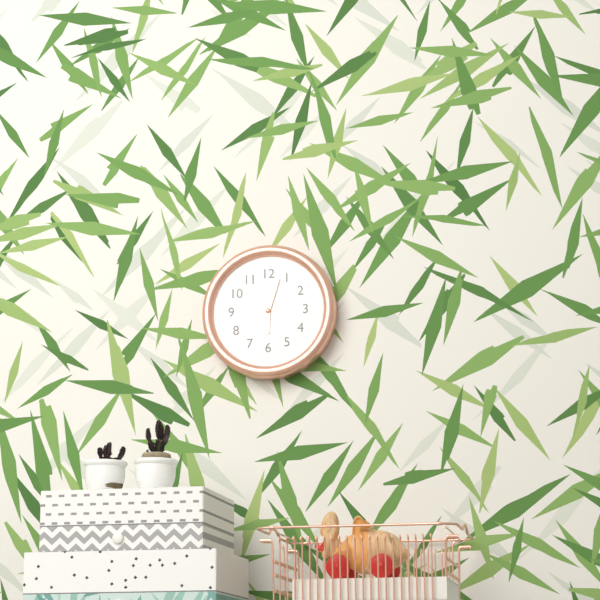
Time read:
6 h 03 min
